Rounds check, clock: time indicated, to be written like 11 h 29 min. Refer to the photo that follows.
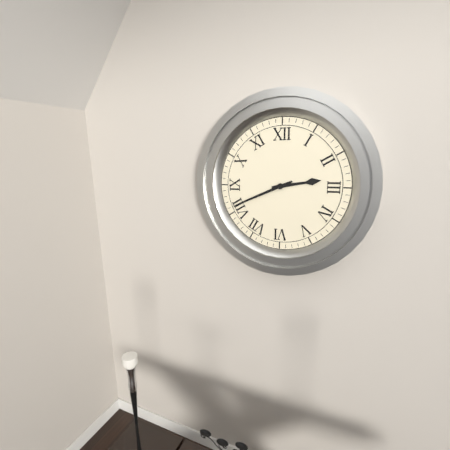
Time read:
2 h 41 min
